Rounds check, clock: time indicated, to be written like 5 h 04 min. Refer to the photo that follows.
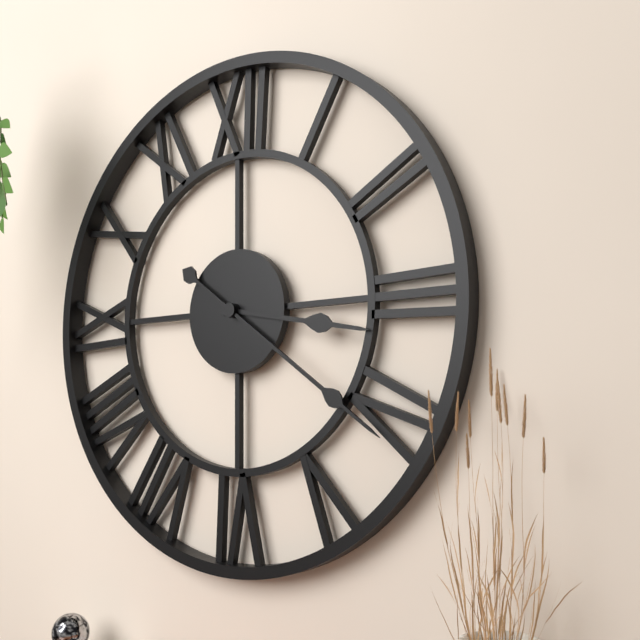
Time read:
3 h 21 min
